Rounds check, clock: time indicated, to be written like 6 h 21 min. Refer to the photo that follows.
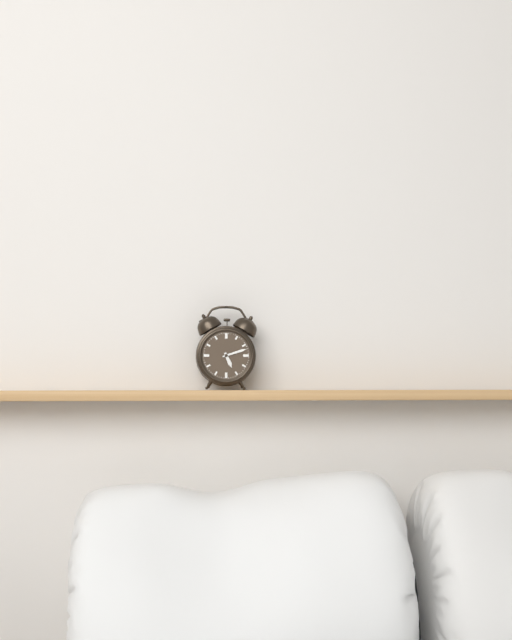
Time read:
5 h 12 min
